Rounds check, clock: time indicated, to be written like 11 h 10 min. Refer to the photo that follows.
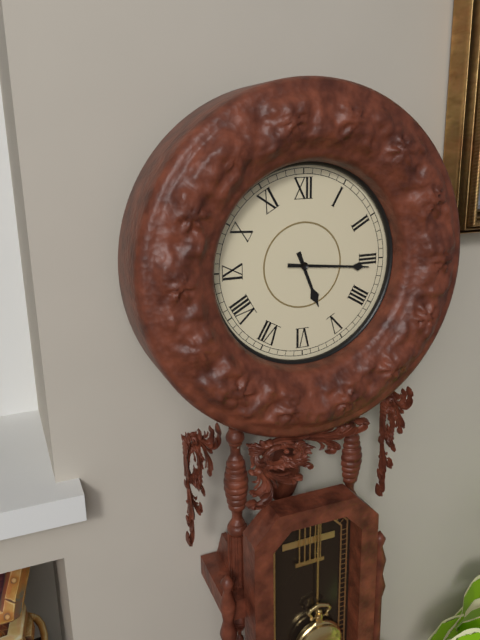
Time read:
5 h 16 min
